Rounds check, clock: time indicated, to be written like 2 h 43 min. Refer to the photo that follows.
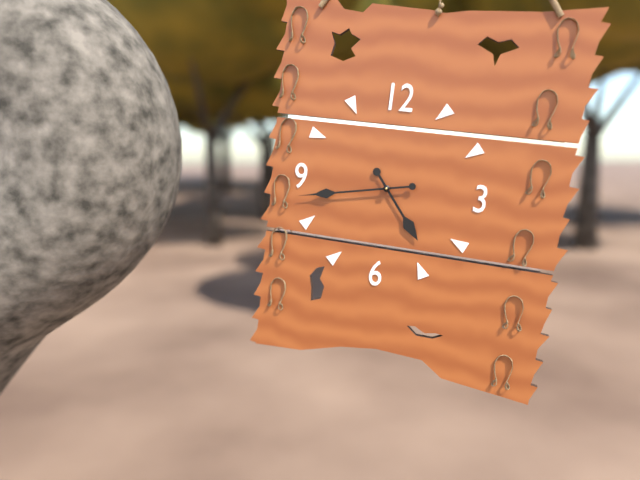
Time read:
4 h 43 min
